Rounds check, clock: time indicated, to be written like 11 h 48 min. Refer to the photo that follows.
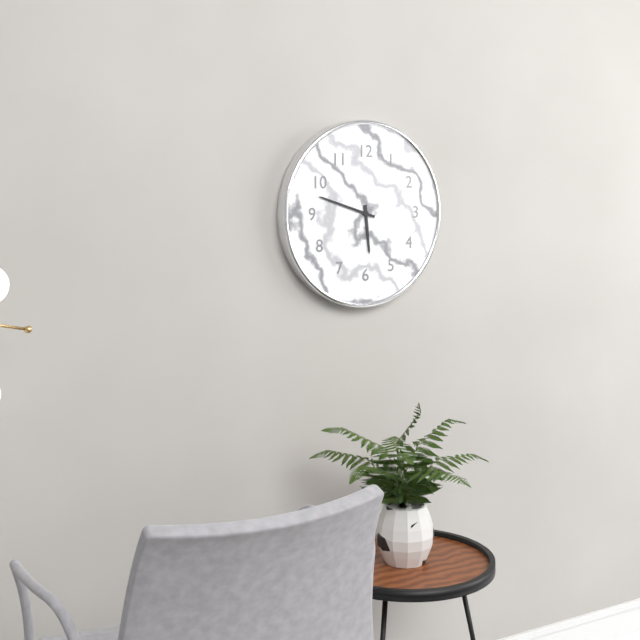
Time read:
5 h 48 min
